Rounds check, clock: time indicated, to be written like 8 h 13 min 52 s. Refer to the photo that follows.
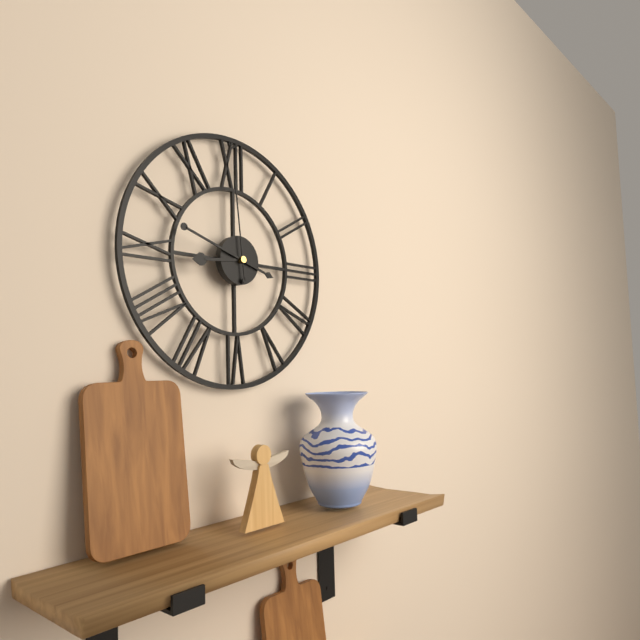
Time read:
8 h 48 min 59 s
